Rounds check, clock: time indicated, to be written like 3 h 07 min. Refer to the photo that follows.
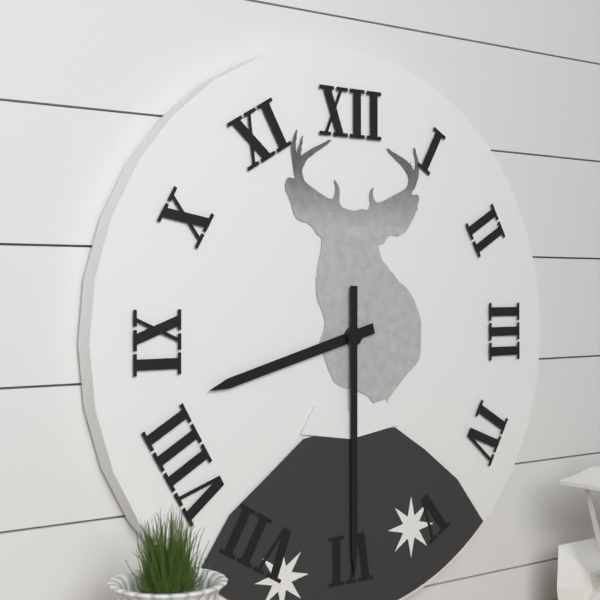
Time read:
8 h 30 min
